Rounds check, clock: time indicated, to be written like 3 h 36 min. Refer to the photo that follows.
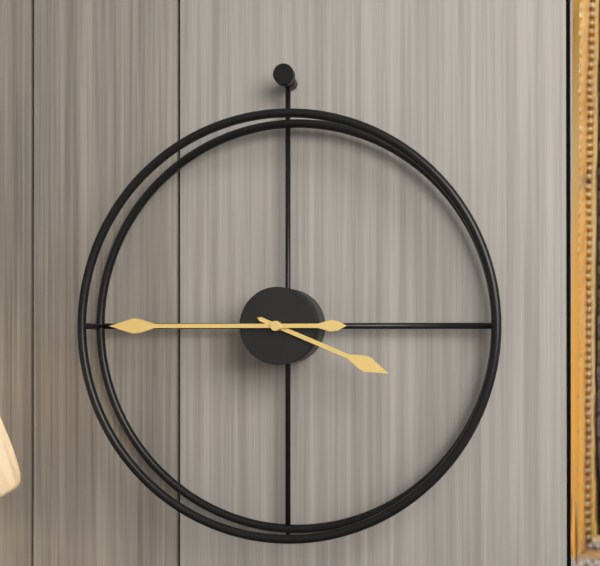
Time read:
3 h 45 min
